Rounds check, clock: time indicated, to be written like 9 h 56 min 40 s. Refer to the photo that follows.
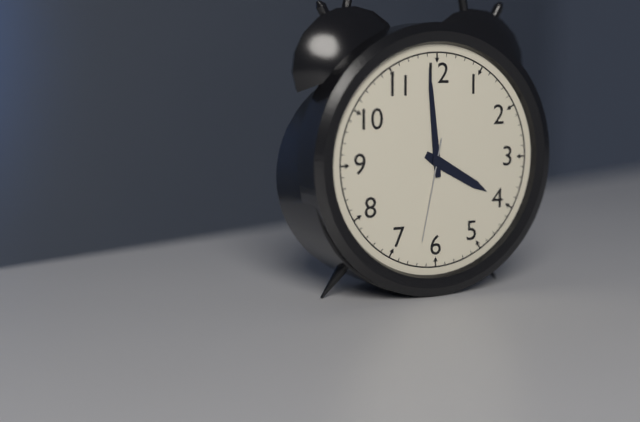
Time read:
3 h 59 min 32 s
